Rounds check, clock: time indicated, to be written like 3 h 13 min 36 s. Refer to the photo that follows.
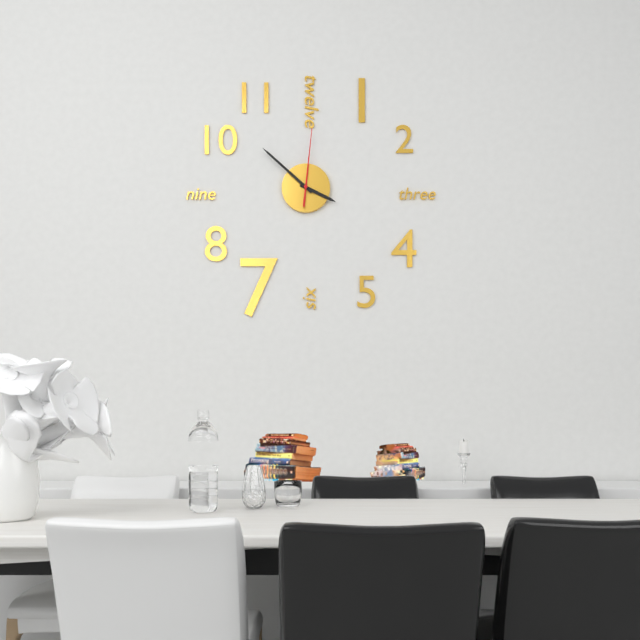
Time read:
3 h 52 min 01 s
